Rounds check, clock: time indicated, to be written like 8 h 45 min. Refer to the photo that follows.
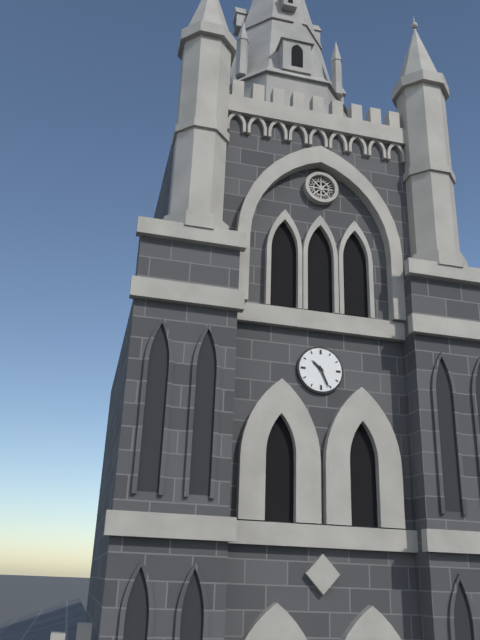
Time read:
10 h 26 min
